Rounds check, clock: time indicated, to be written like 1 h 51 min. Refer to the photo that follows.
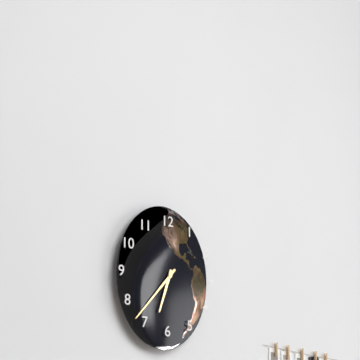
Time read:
6 h 37 min
